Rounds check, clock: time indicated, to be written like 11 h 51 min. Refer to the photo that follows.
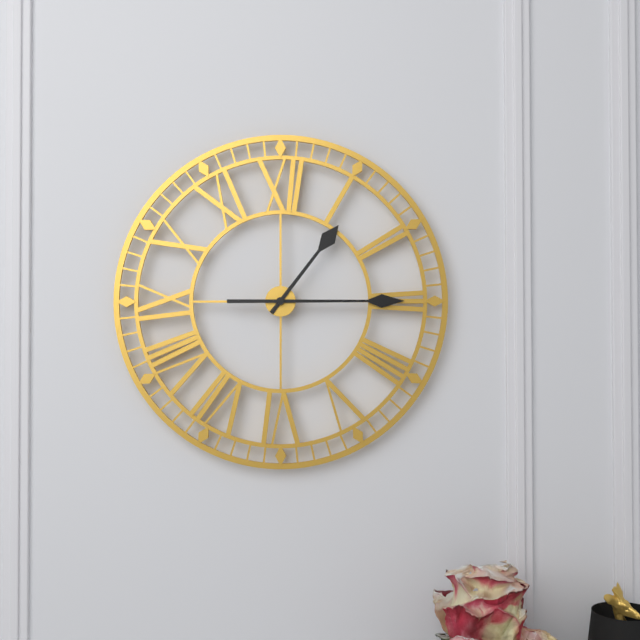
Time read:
1 h 15 min
